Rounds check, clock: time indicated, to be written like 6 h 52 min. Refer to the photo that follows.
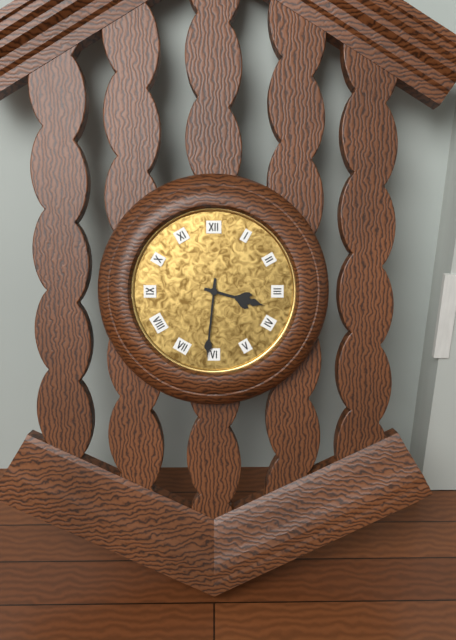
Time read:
3 h 31 min
